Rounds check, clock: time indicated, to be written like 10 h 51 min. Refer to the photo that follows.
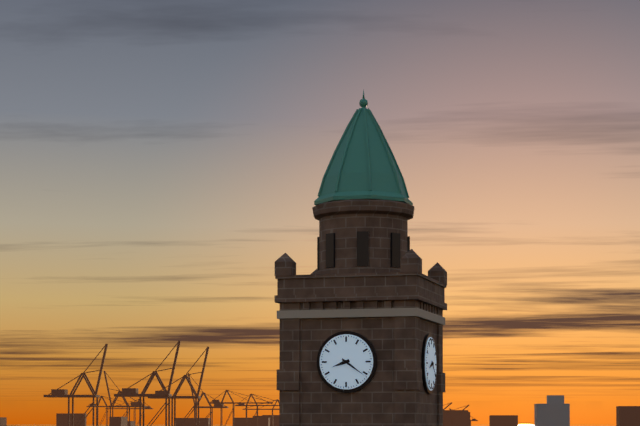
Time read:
8 h 21 min
